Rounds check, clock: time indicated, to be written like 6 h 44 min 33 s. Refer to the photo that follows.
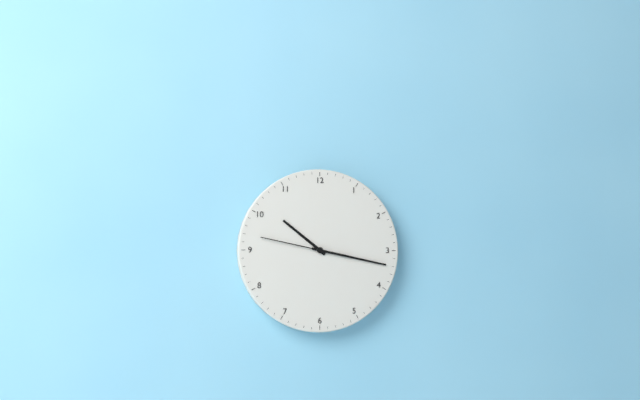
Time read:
10 h 17 min 47 s
